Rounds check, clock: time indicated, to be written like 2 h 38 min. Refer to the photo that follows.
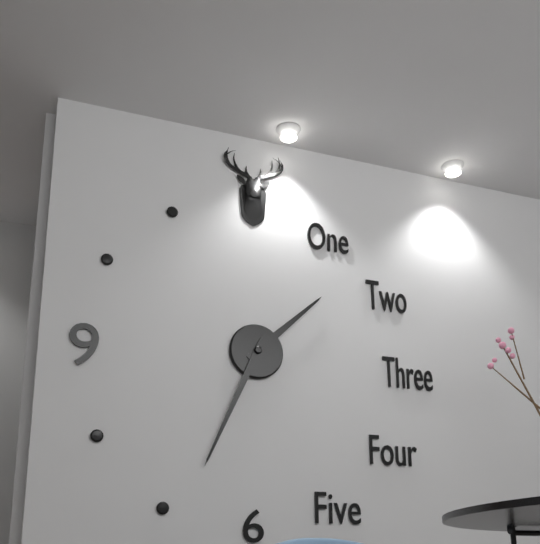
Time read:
1 h 34 min
